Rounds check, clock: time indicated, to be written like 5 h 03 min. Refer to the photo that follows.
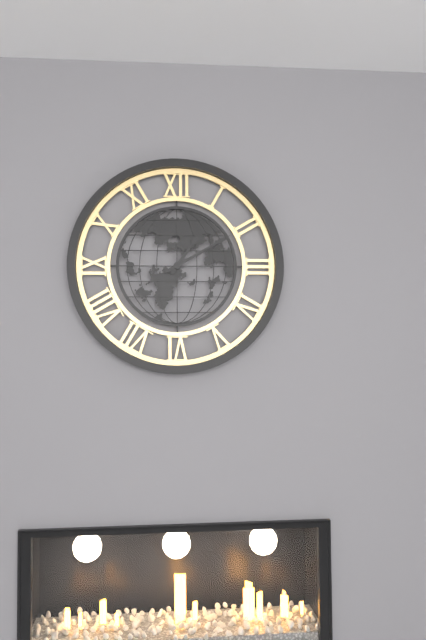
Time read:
1 h 10 min
